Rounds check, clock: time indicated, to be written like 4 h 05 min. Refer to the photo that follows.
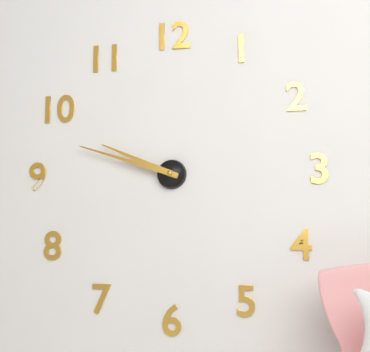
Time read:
9 h 48 min
